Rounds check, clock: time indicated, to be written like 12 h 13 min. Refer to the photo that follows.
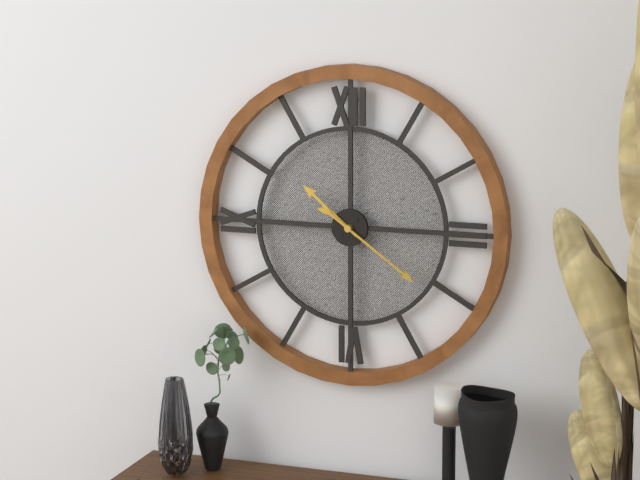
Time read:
10 h 21 min
